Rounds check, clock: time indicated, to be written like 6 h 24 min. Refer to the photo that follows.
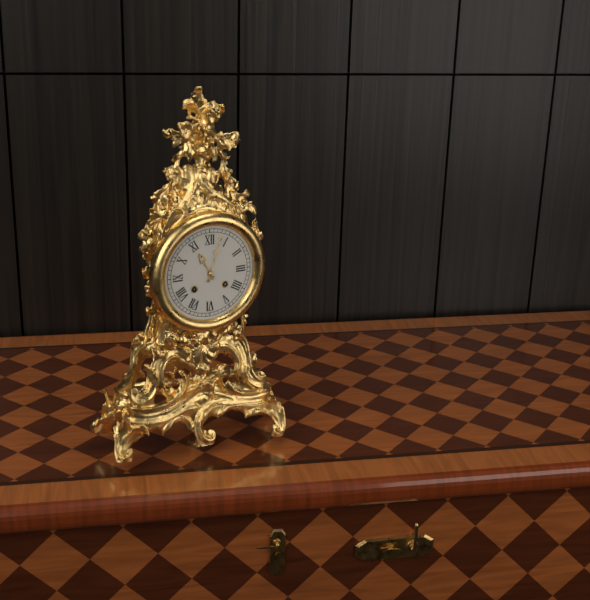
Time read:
11 h 03 min
